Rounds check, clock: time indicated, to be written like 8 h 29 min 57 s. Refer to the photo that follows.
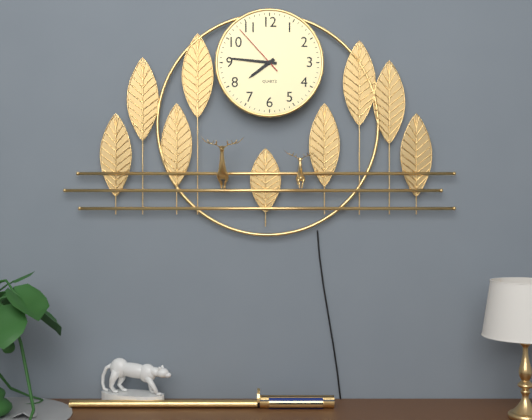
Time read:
7 h 46 min 53 s
